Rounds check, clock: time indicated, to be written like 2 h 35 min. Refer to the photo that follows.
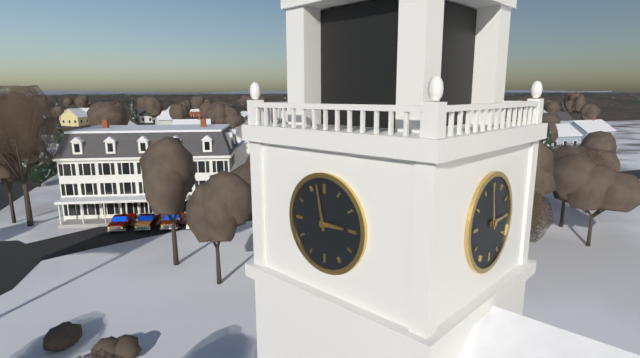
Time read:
2 h 58 min
